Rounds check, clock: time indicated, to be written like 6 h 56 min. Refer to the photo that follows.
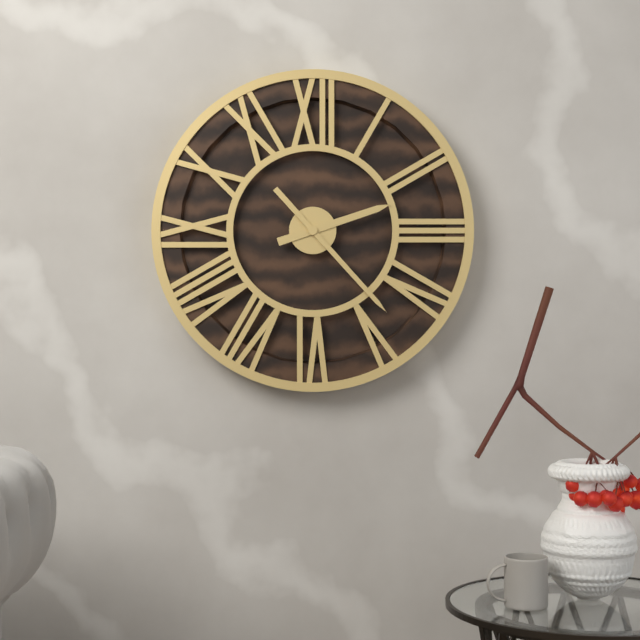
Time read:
2 h 23 min
